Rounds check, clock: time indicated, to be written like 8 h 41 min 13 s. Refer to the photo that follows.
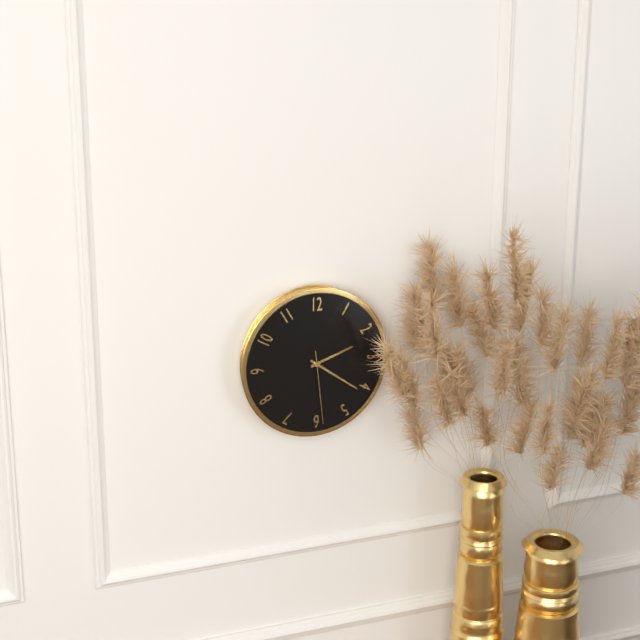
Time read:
2 h 21 min 29 s
